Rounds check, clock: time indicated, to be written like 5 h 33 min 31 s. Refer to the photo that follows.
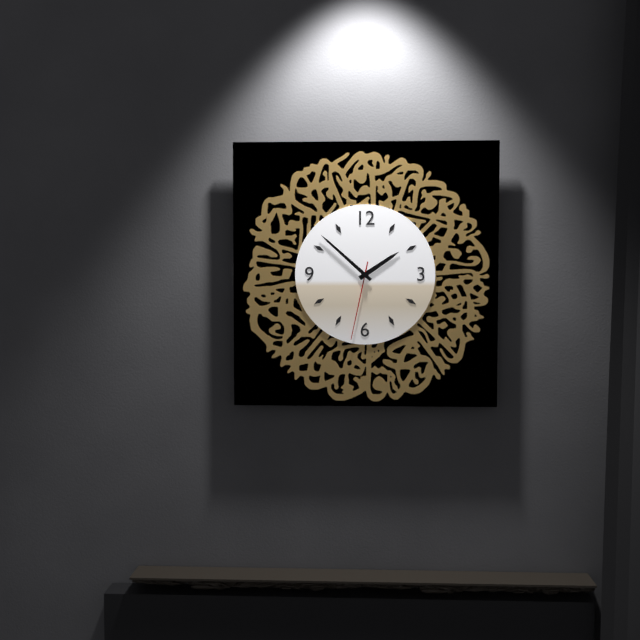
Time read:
1 h 52 min 32 s
